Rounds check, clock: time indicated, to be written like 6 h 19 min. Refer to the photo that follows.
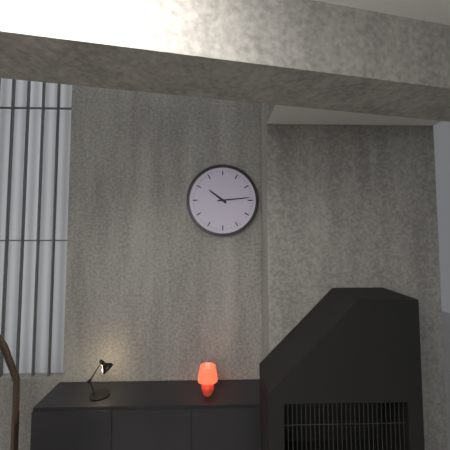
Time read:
10 h 14 min
